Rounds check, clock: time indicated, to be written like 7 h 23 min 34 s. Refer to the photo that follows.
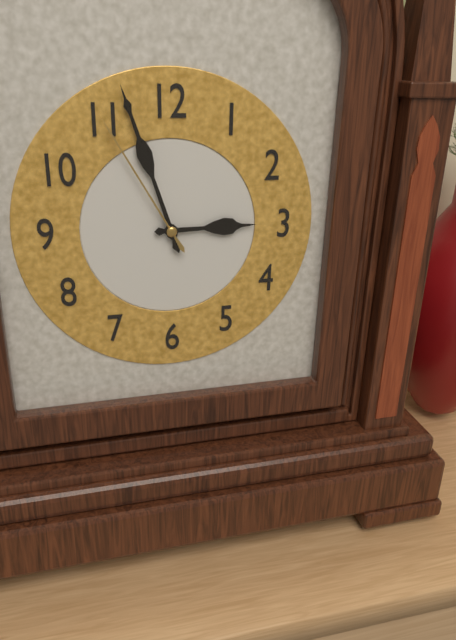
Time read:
2 h 57 min 55 s
